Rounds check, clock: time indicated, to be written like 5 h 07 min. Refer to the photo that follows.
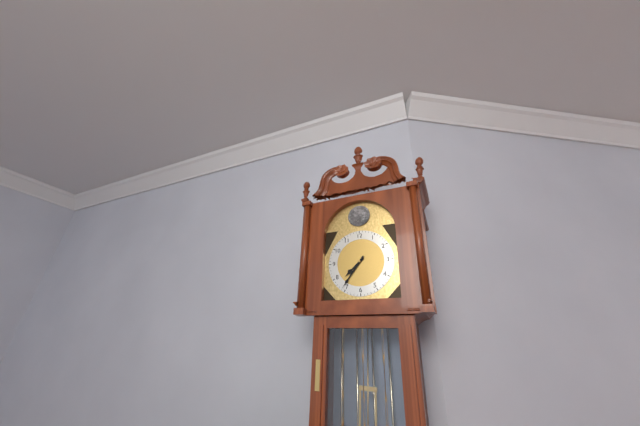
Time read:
7 h 36 min
